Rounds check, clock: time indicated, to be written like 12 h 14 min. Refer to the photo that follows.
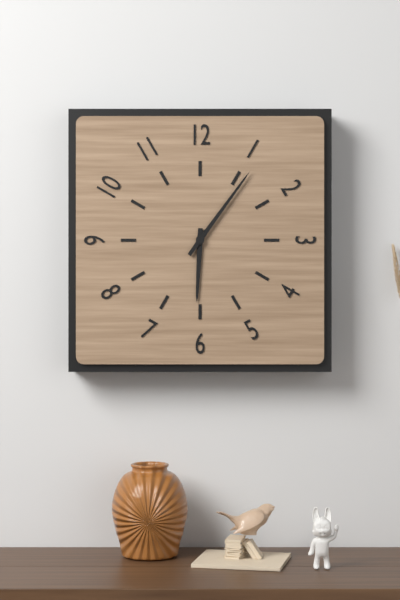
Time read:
6 h 06 min
